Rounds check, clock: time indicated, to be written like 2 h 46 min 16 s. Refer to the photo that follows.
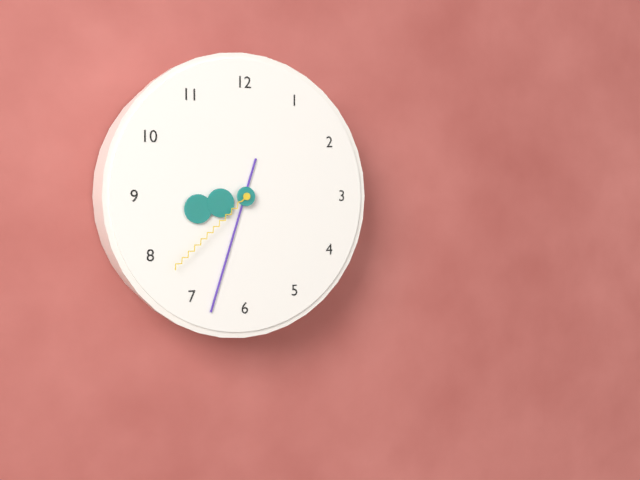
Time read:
8 h 33 min 38 s
